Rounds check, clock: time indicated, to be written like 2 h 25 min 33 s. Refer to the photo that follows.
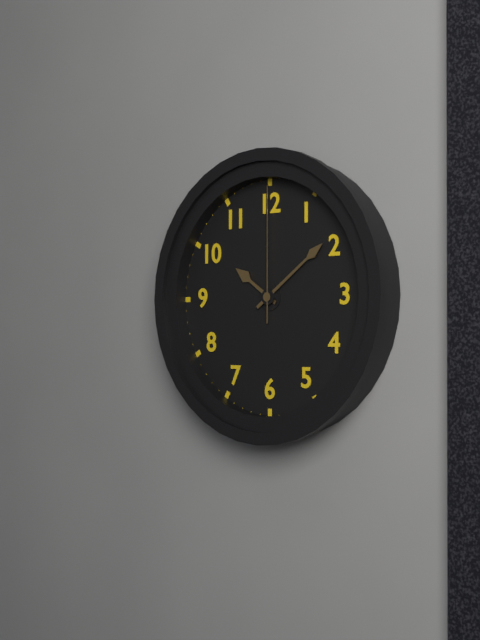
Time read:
10 h 09 min 00 s
